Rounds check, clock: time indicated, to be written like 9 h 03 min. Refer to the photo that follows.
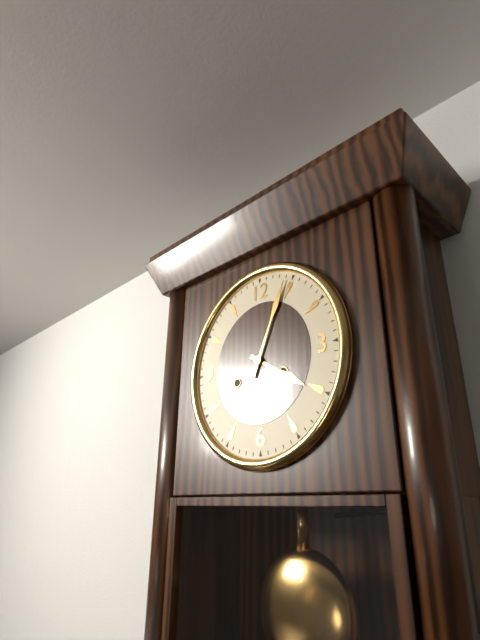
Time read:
4 h 04 min
